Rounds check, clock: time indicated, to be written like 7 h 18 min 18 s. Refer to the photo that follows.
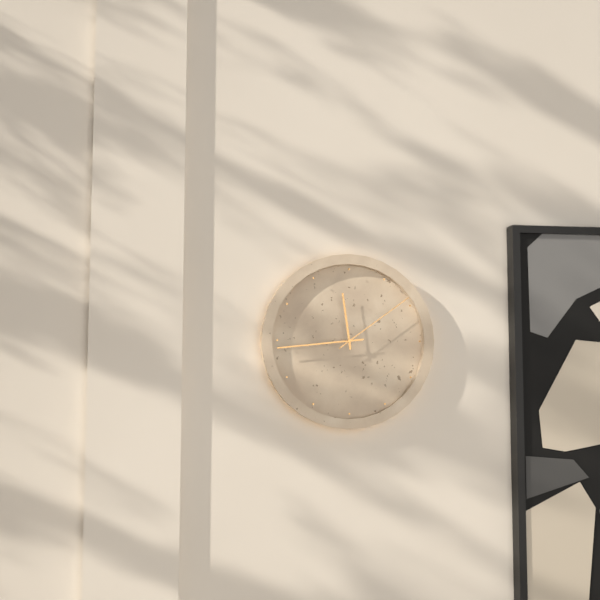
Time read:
11 h 44 min 09 s
